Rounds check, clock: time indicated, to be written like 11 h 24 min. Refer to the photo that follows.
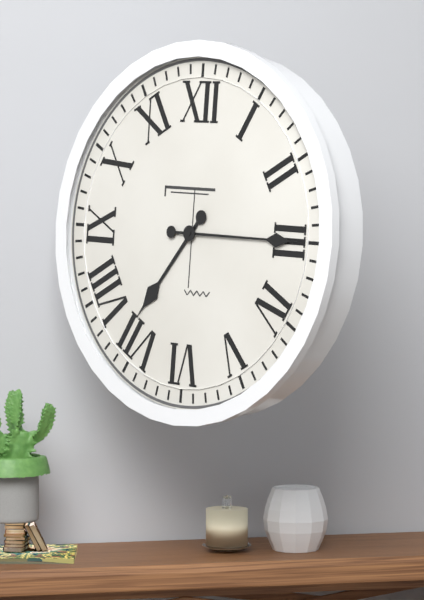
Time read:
7 h 15 min
